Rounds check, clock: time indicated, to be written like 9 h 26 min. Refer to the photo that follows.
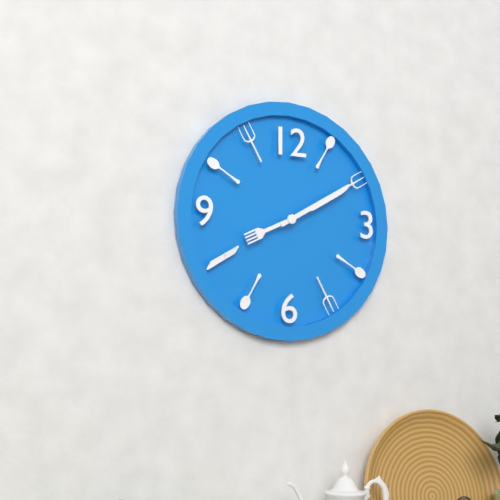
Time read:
8 h 10 min
